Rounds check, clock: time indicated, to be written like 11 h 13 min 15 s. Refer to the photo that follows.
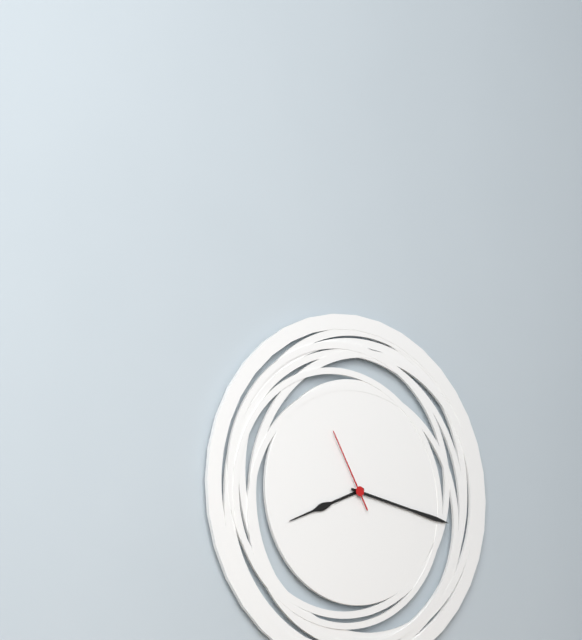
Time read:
8 h 17 min 55 s
